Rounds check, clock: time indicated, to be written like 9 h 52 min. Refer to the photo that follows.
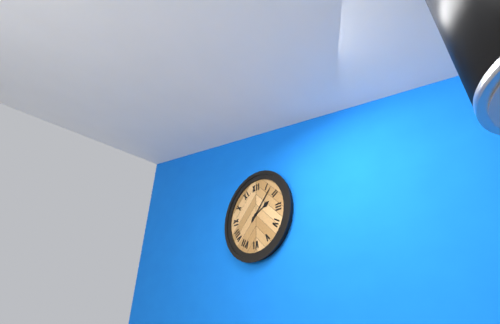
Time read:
2 h 07 min
